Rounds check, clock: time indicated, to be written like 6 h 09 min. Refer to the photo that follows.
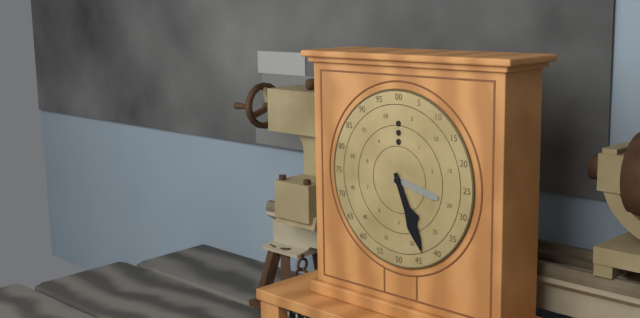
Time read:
3 h 26 min
